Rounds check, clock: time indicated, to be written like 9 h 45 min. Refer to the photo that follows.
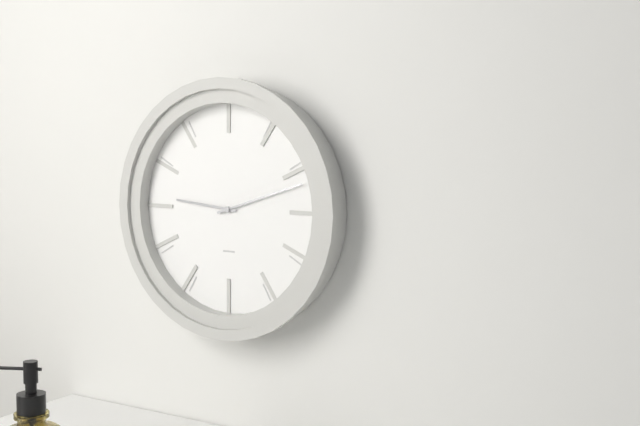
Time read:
9 h 12 min
